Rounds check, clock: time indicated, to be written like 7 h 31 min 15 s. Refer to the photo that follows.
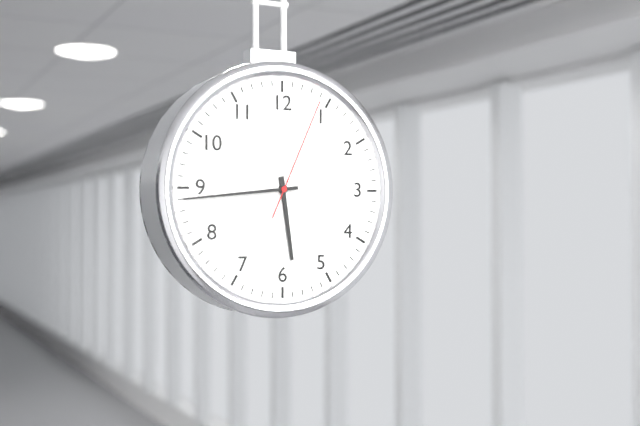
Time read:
5 h 44 min 04 s
